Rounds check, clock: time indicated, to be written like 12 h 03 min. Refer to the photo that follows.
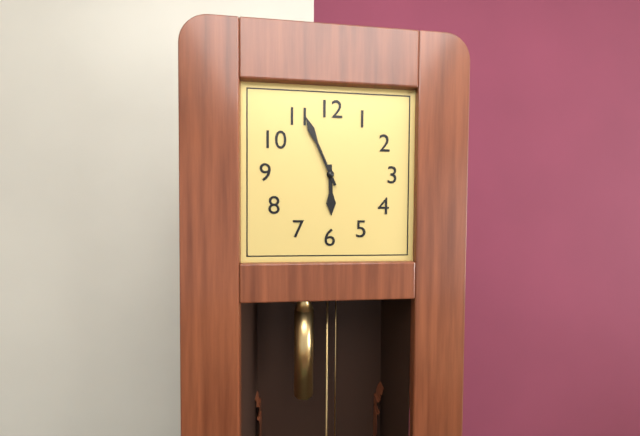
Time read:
5 h 56 min
